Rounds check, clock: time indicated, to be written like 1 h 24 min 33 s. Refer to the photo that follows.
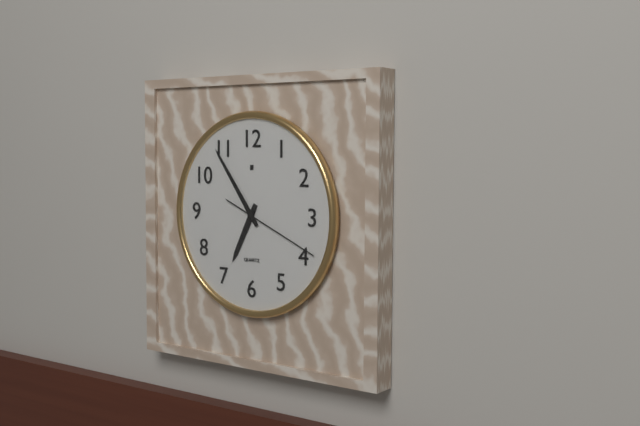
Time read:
6 h 54 min 19 s
